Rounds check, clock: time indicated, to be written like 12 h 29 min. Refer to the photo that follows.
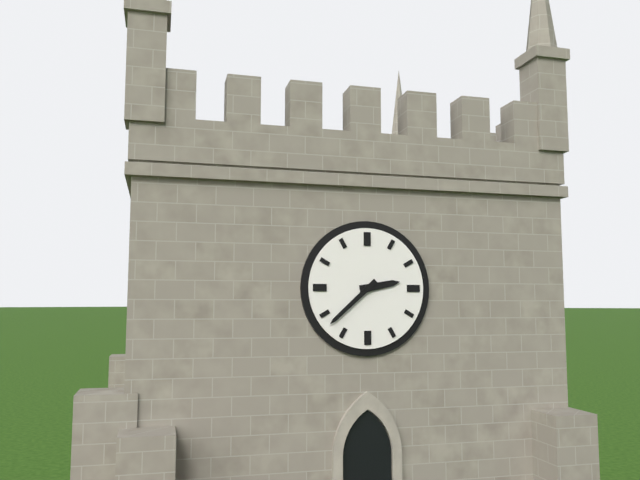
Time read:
2 h 38 min
